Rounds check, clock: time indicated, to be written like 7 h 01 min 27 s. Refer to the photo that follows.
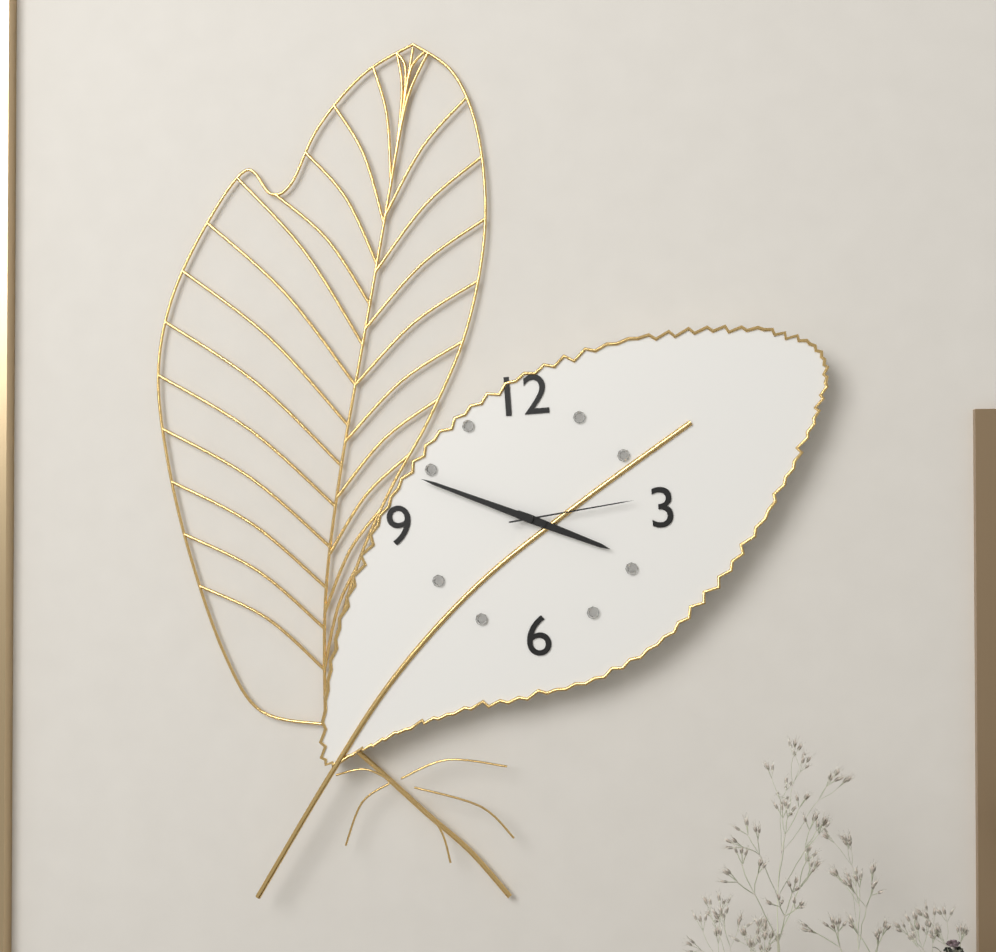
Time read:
3 h 49 min 14 s
